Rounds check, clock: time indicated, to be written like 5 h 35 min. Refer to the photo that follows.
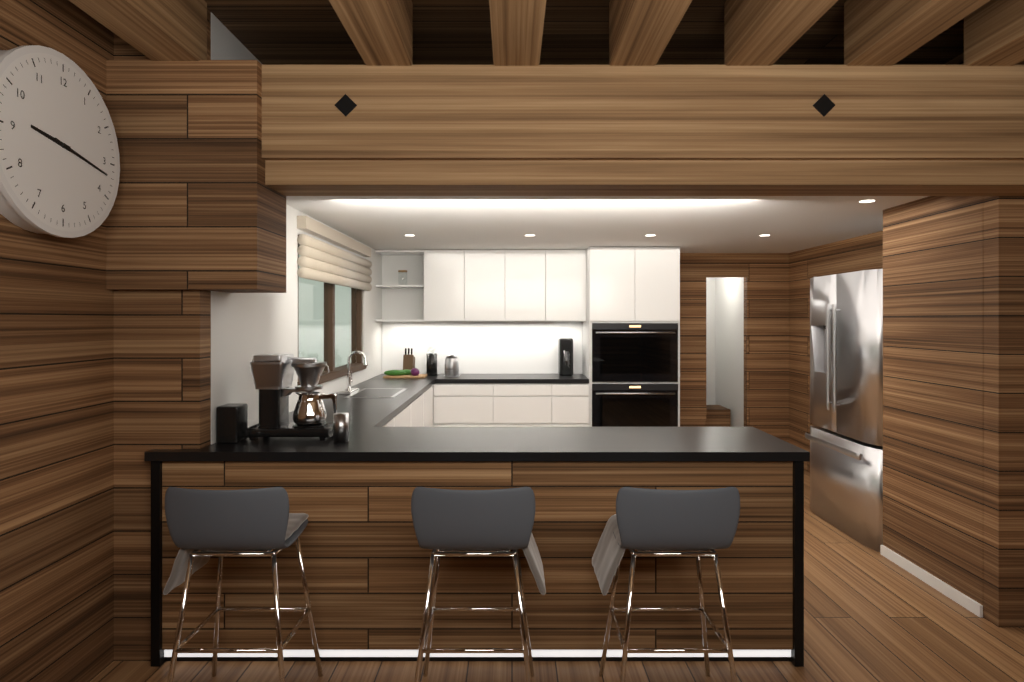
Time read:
9 h 17 min
